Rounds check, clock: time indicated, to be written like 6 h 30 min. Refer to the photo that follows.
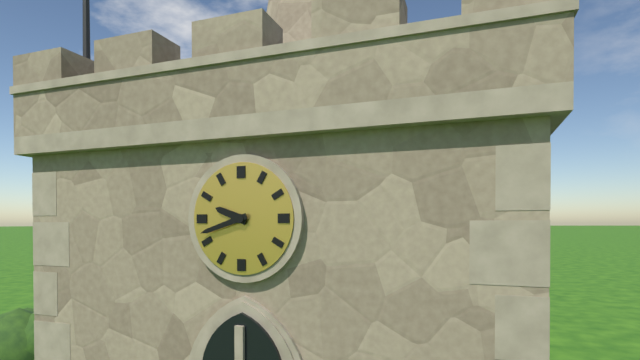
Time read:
9 h 42 min
